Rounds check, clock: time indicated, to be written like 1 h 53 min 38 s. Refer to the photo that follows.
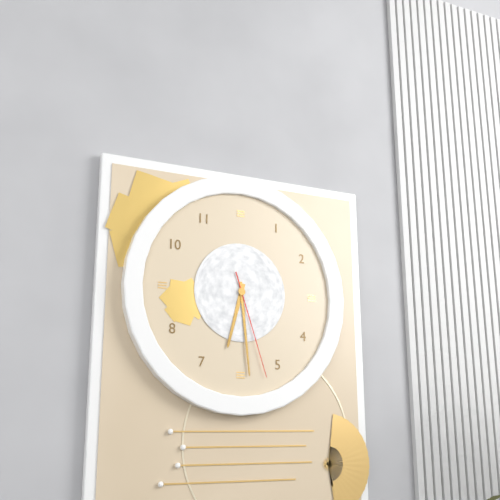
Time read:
6 h 29 min 27 s
